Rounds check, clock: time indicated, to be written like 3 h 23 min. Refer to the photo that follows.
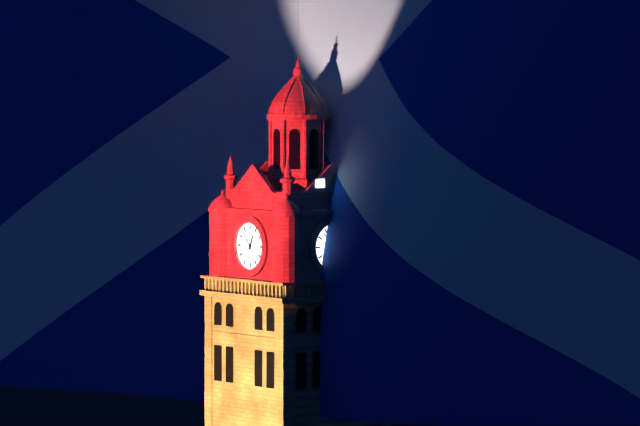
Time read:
12 h 53 min
